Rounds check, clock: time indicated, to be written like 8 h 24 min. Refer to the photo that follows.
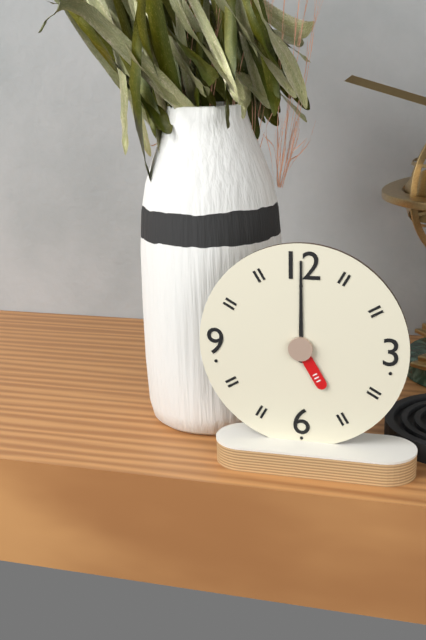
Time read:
5 h 00 min
